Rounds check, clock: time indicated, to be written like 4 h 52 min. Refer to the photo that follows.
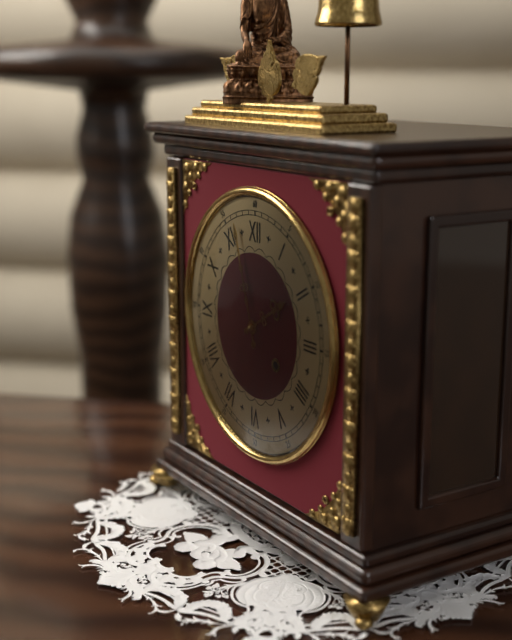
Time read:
1 h 57 min
